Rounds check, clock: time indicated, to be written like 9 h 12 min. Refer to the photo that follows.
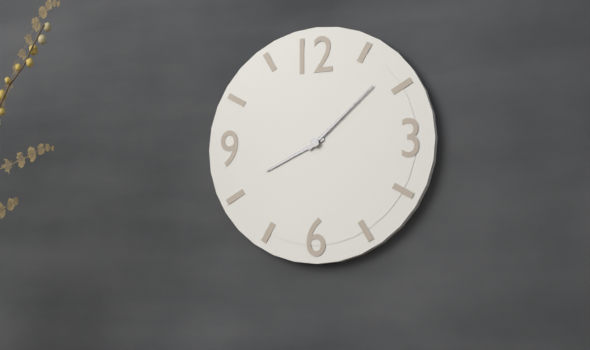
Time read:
8 h 08 min
